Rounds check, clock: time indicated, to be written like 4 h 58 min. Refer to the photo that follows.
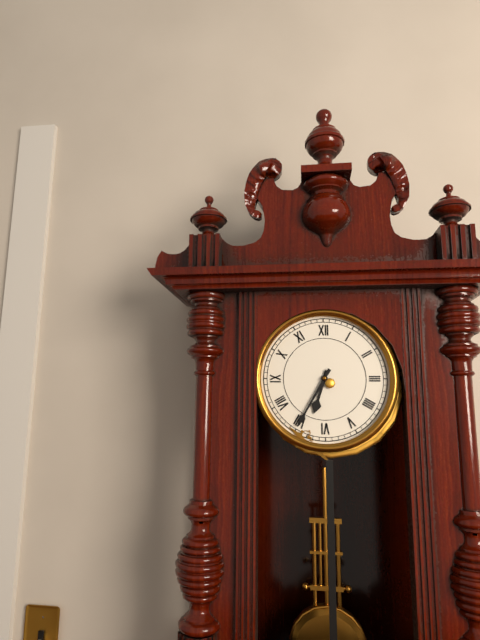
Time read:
6 h 35 min
